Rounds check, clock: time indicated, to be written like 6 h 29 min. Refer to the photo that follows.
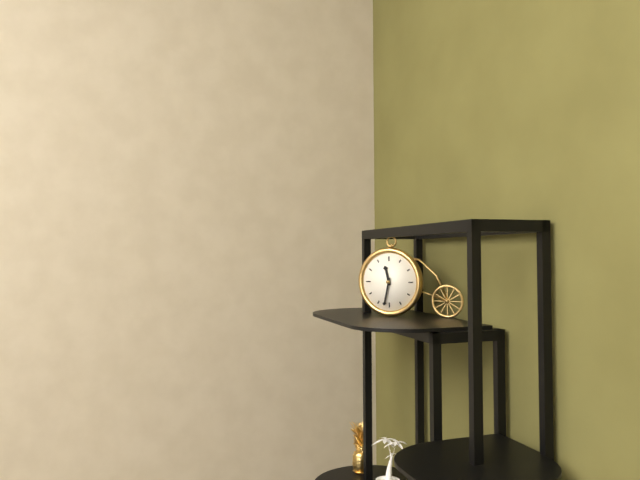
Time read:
11 h 32 min
